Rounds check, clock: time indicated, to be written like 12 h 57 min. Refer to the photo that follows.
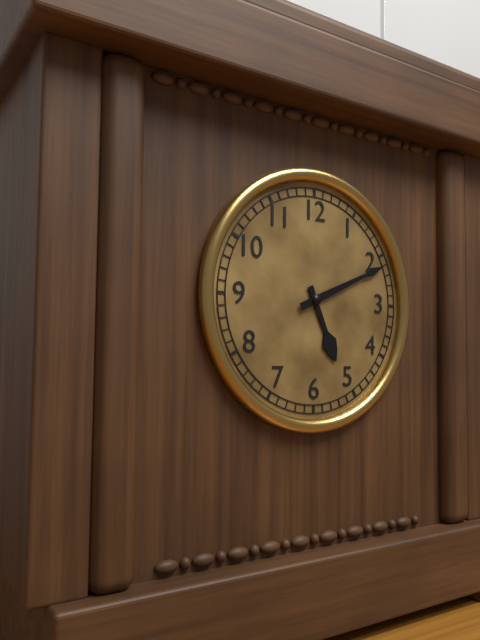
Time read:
5 h 11 min
